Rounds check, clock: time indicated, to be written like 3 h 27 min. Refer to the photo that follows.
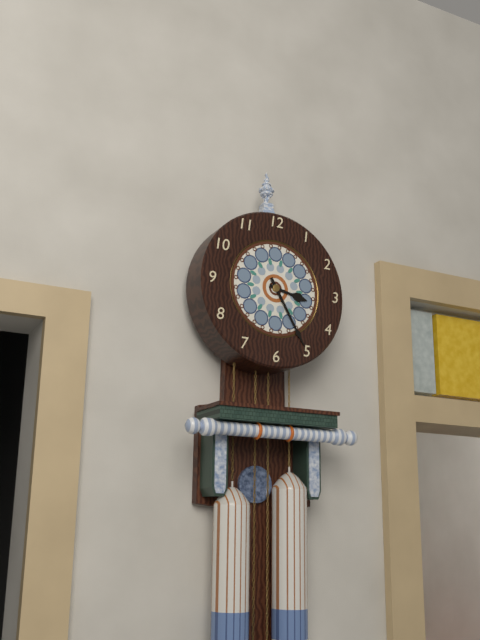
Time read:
3 h 25 min
